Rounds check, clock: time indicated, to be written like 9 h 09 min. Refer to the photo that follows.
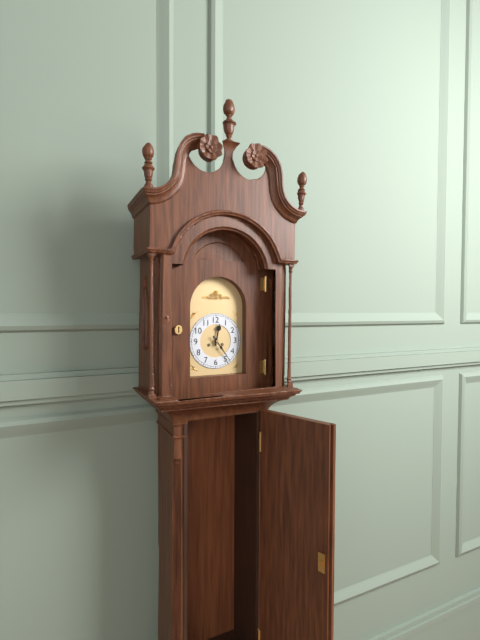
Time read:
12 h 24 min
